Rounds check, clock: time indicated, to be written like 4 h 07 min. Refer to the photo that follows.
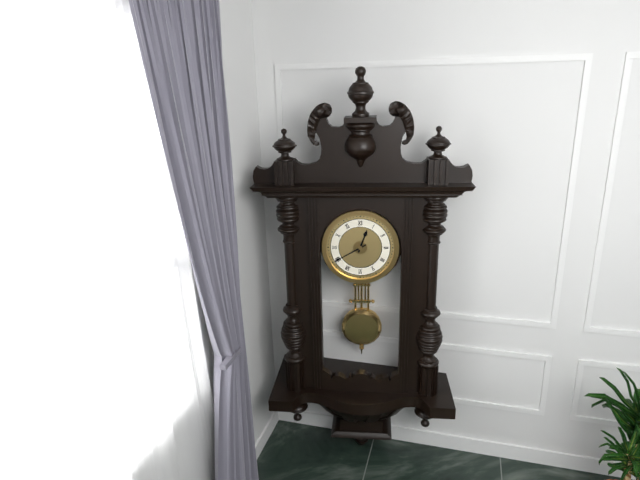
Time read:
12 h 40 min
